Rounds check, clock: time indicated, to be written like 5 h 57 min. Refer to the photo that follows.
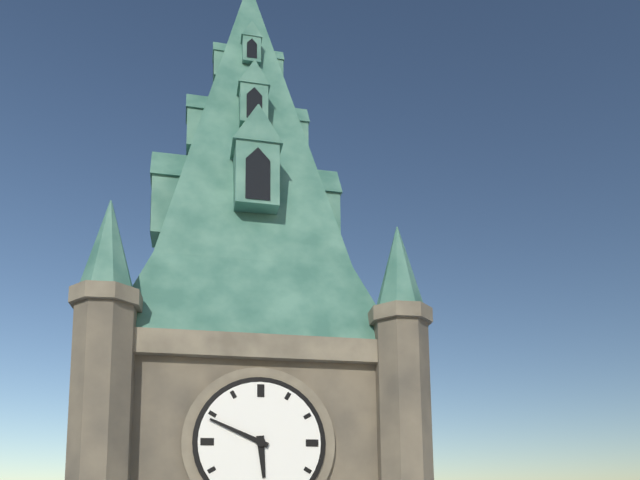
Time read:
5 h 49 min
